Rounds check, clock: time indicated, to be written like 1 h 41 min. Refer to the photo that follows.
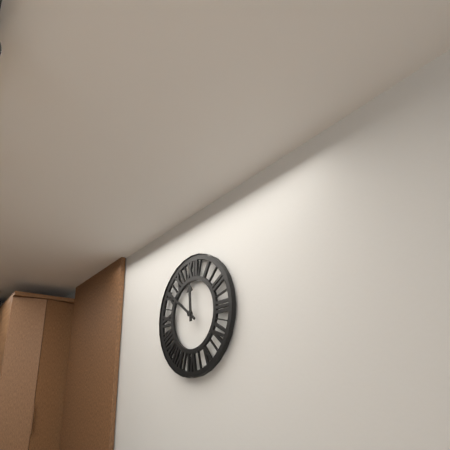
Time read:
11 h 51 min
